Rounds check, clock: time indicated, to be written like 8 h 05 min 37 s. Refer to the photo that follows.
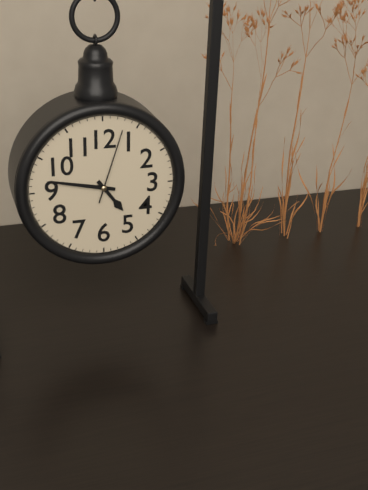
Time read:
4 h 47 min 03 s
